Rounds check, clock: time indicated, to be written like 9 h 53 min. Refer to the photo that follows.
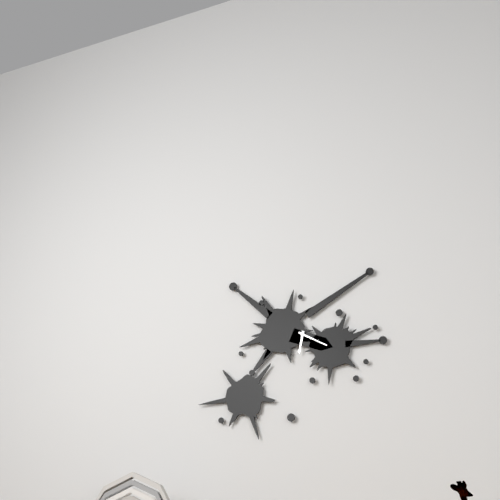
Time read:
6 h 20 min
